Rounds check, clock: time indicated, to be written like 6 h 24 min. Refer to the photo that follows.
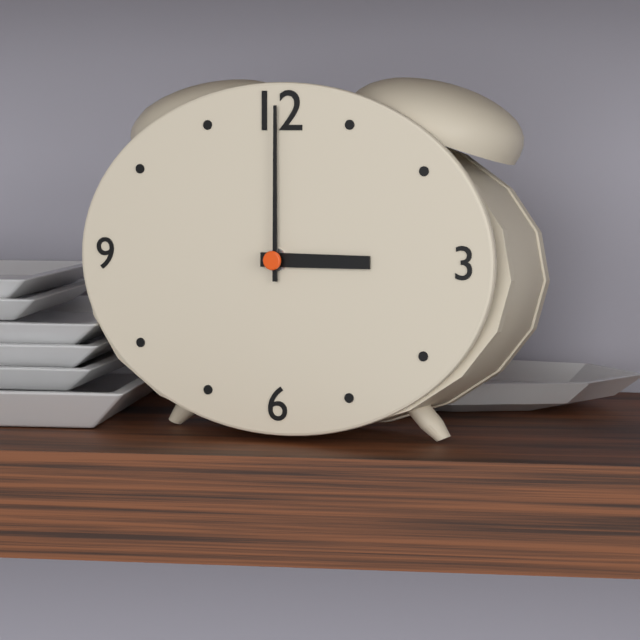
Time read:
3 h 00 min
